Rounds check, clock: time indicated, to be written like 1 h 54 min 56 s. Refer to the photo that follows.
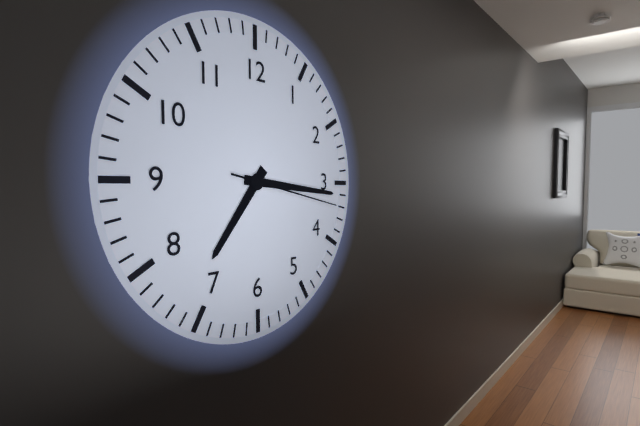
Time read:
7 h 16 min 17 s
